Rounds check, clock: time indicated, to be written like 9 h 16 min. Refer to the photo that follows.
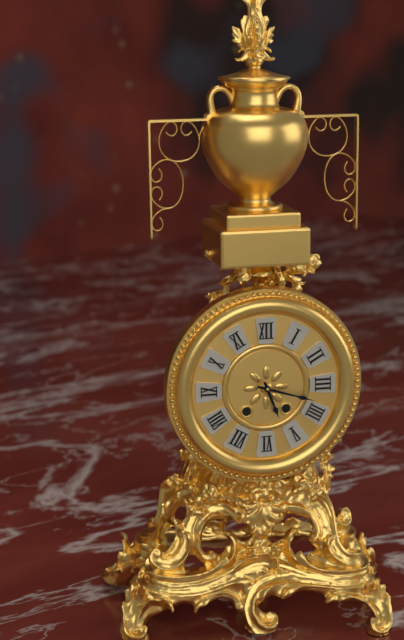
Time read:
5 h 18 min
